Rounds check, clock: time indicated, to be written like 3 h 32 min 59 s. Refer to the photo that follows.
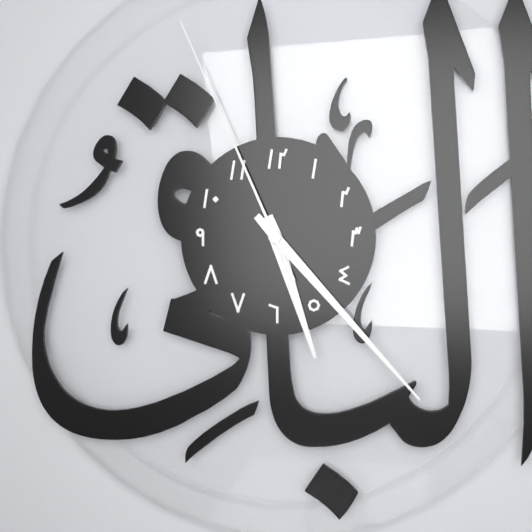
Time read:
5 h 23 min 56 s
